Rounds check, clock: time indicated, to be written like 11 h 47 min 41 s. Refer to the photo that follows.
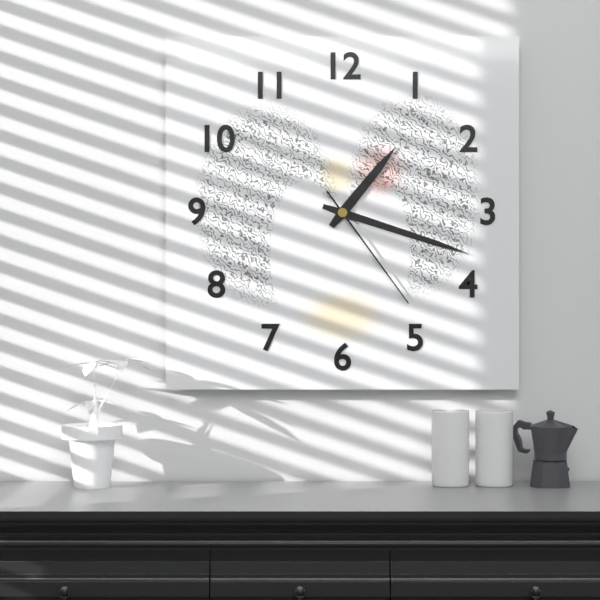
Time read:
1 h 18 min 24 s
